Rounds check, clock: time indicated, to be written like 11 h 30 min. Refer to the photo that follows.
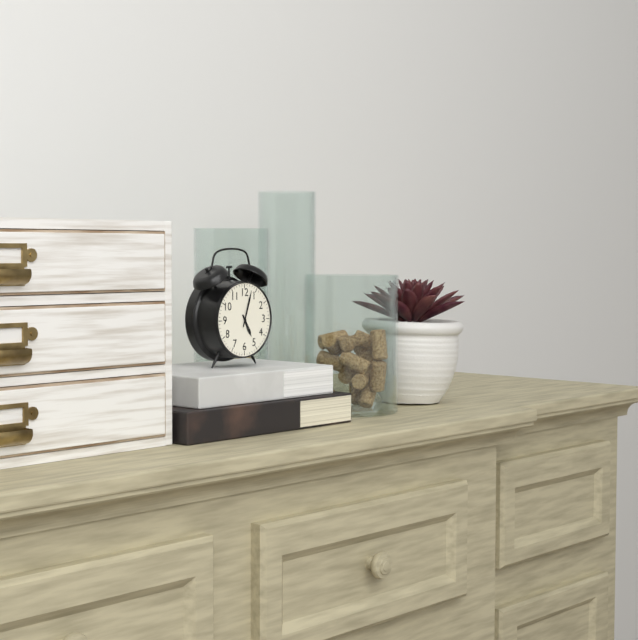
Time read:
5 h 03 min
